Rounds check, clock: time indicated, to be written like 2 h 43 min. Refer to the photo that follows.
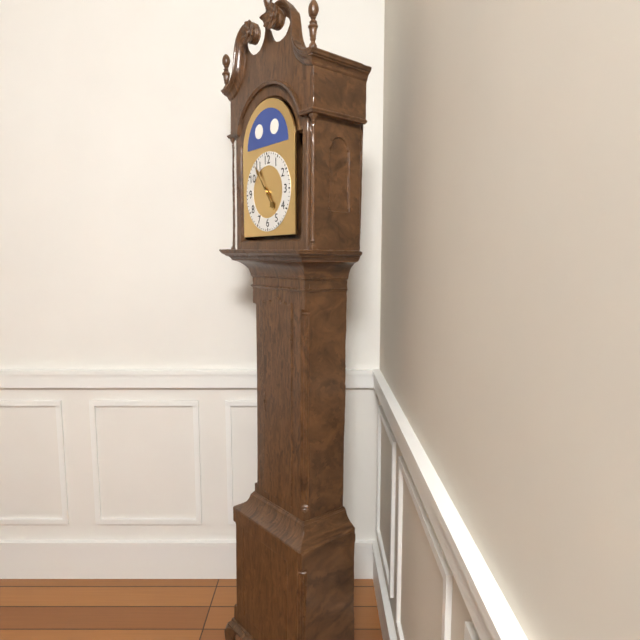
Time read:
4 h 54 min
